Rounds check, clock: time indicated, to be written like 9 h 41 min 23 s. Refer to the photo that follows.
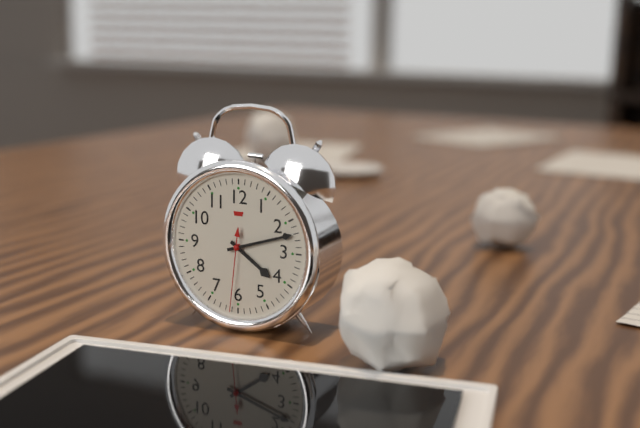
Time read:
4 h 12 min 31 s
